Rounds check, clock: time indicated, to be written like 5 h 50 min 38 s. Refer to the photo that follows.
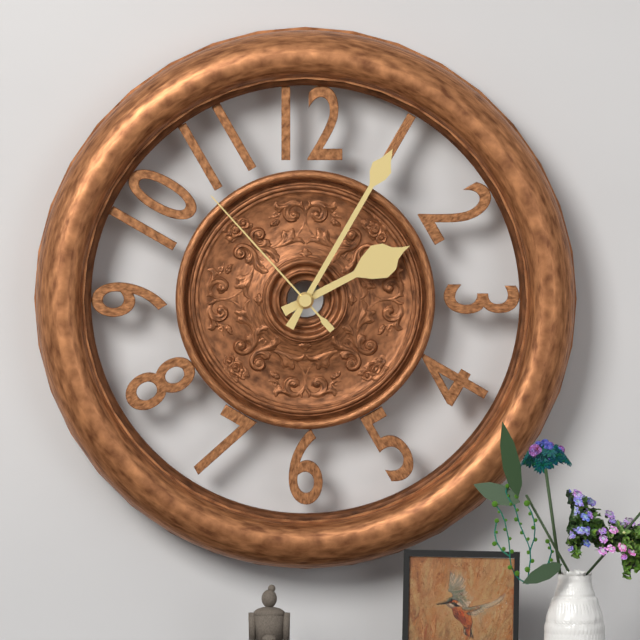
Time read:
2 h 05 min 53 s
